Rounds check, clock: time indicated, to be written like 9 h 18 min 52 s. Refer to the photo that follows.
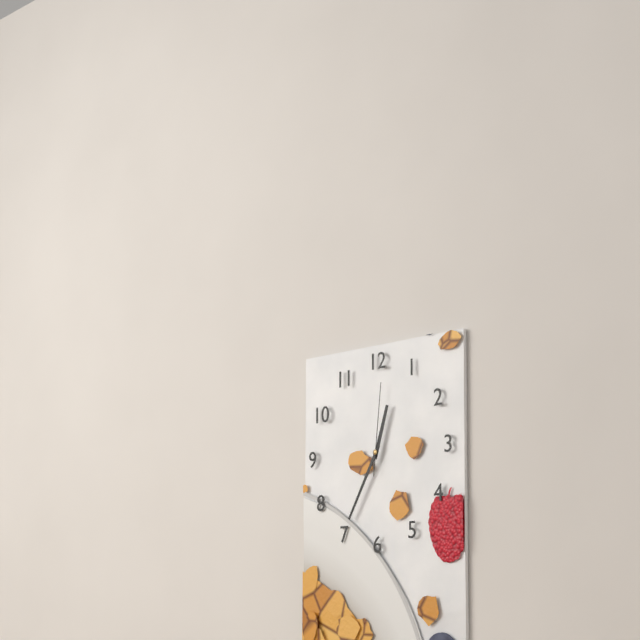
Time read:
12 h 35 min 01 s
